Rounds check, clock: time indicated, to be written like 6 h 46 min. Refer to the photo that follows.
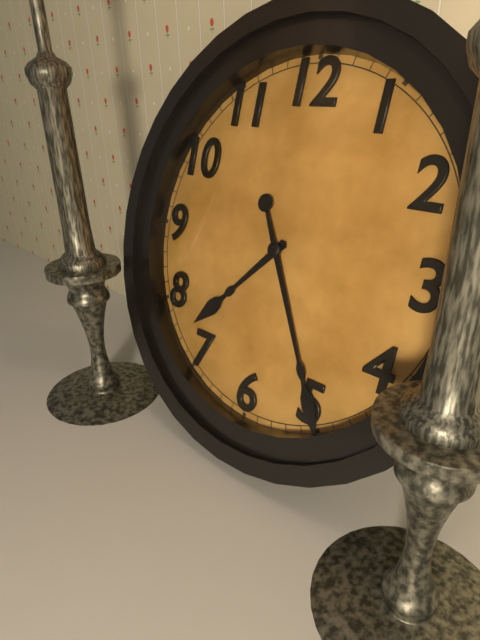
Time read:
7 h 25 min
